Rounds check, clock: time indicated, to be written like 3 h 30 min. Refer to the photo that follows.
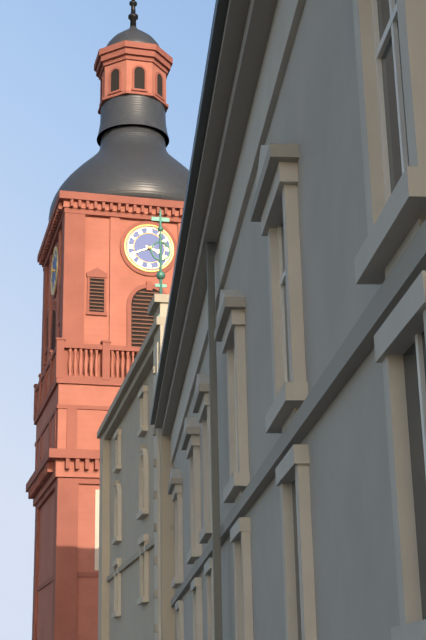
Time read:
3 h 41 min
